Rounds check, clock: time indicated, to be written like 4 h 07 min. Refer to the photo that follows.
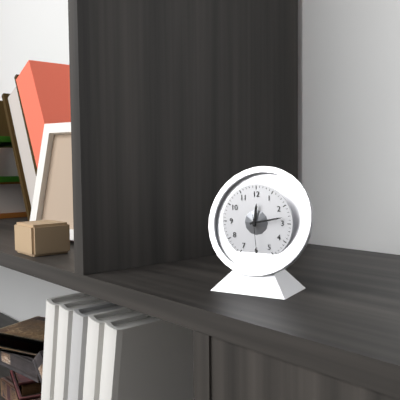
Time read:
12 h 13 min
